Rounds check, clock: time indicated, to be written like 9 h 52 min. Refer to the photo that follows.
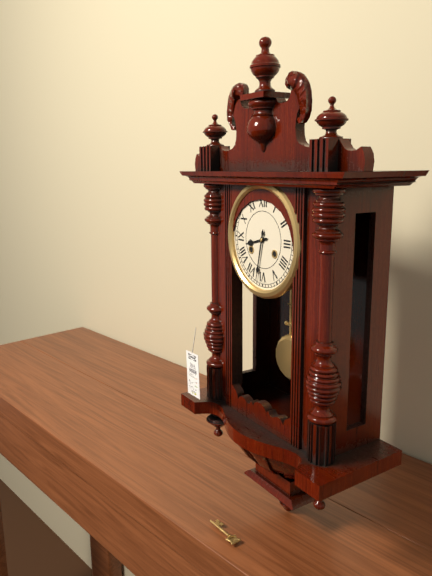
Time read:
8 h 32 min
